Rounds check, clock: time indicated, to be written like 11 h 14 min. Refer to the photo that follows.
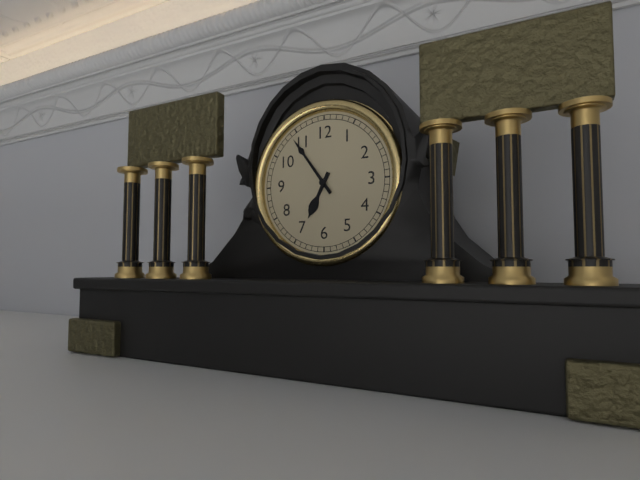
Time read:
6 h 54 min
